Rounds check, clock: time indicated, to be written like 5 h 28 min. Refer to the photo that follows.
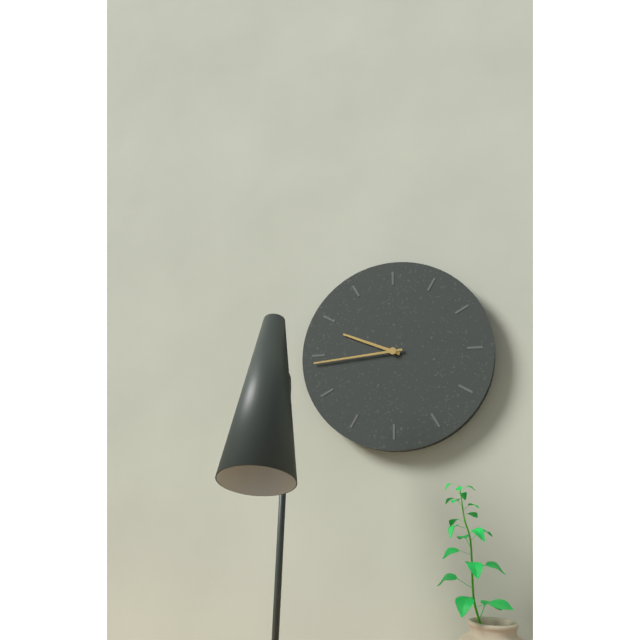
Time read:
9 h 44 min
